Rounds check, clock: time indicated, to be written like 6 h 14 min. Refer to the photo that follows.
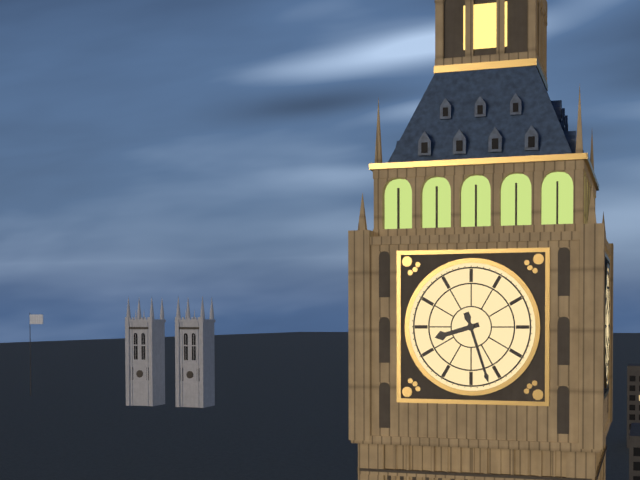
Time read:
8 h 27 min
